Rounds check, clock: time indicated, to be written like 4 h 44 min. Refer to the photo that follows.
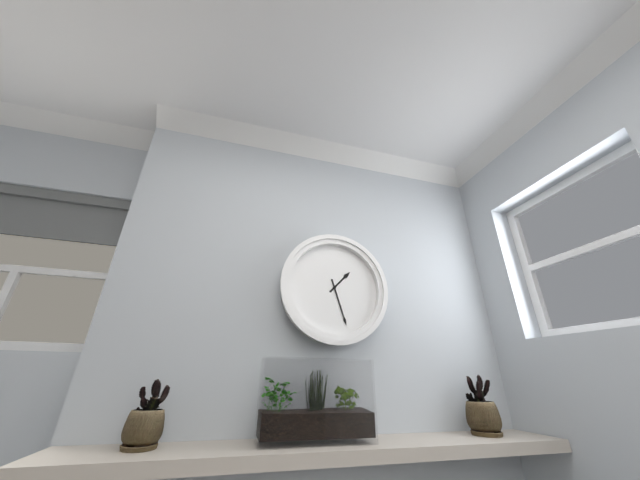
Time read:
1 h 27 min
